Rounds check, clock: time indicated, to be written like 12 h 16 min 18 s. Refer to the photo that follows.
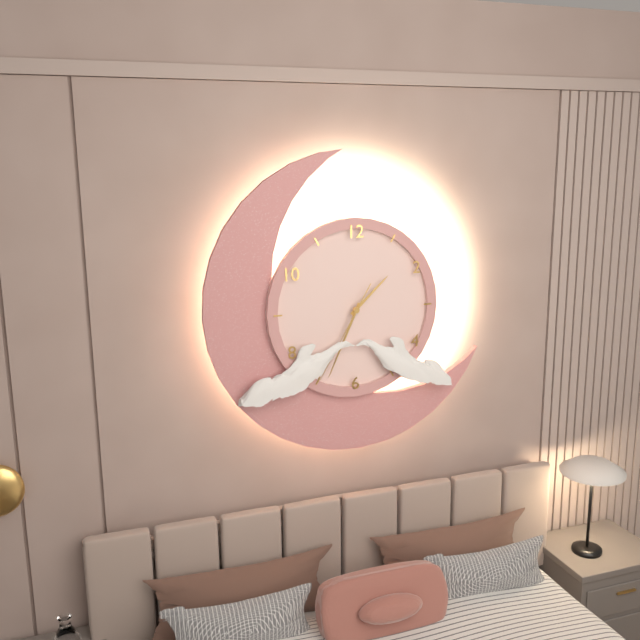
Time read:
1 h 34 min 35 s
